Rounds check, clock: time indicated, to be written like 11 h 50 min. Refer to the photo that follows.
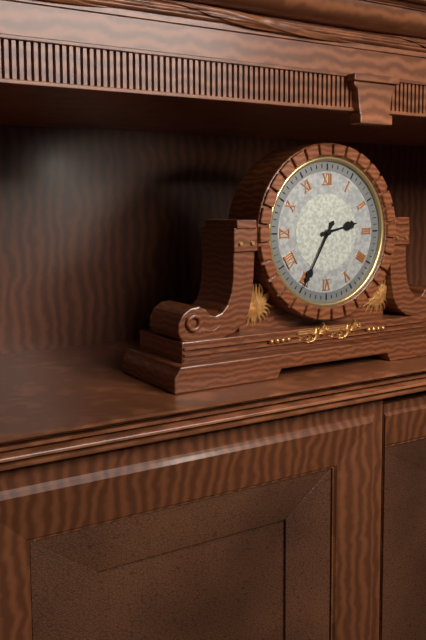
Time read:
2 h 35 min
